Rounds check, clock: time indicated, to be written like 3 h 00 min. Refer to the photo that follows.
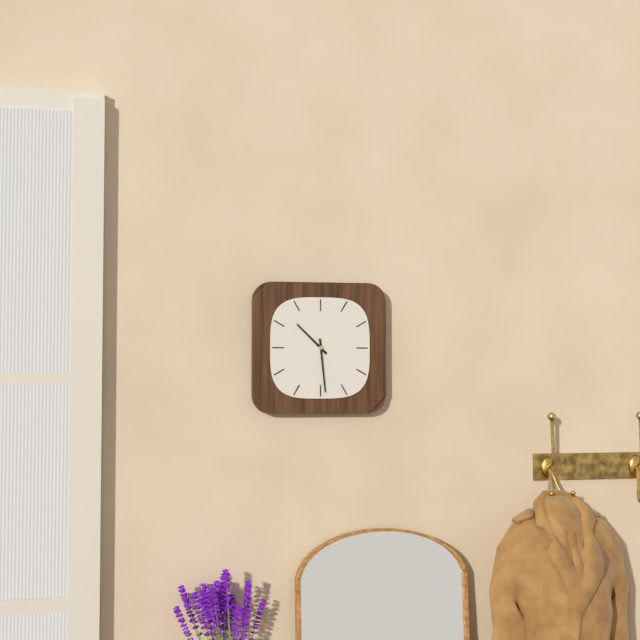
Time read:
10 h 29 min
